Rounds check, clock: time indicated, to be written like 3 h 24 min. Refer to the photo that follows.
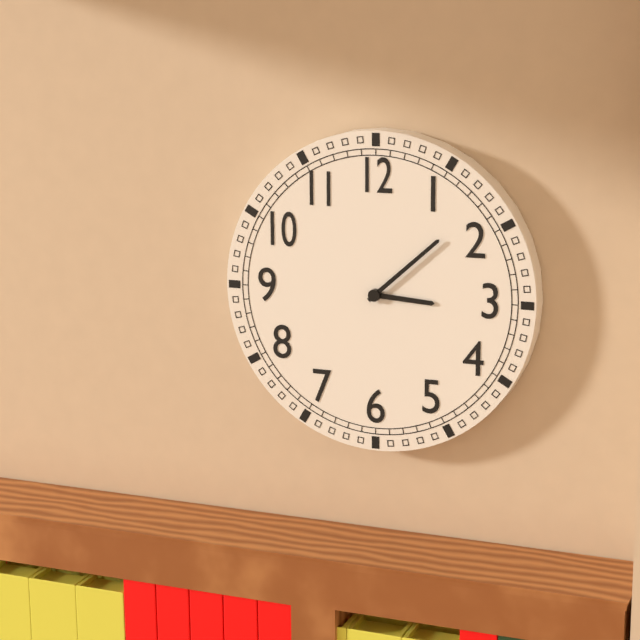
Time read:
3 h 08 min
